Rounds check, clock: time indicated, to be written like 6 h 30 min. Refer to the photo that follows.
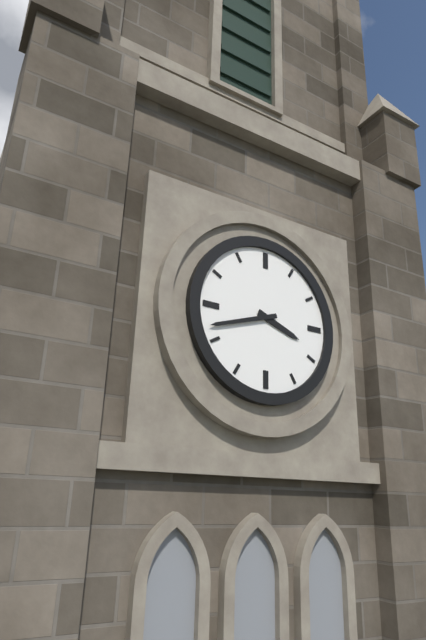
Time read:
3 h 42 min
